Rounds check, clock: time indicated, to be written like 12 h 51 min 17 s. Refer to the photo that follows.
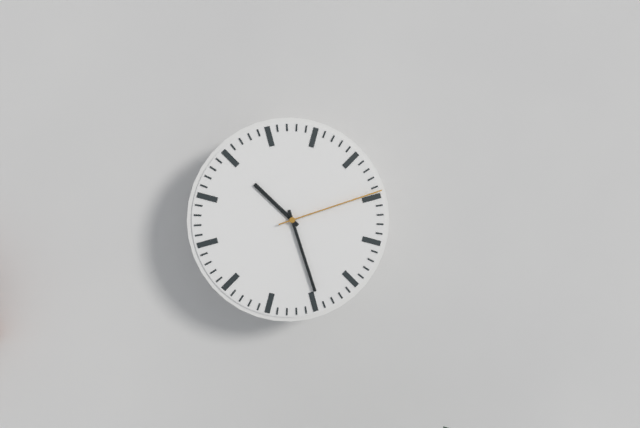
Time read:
10 h 27 min 12 s
